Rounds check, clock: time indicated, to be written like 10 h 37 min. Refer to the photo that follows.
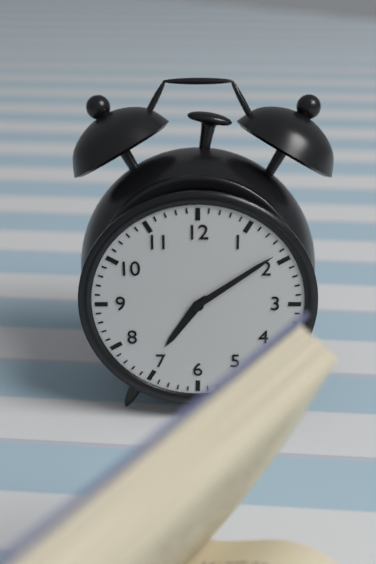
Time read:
7 h 09 min
